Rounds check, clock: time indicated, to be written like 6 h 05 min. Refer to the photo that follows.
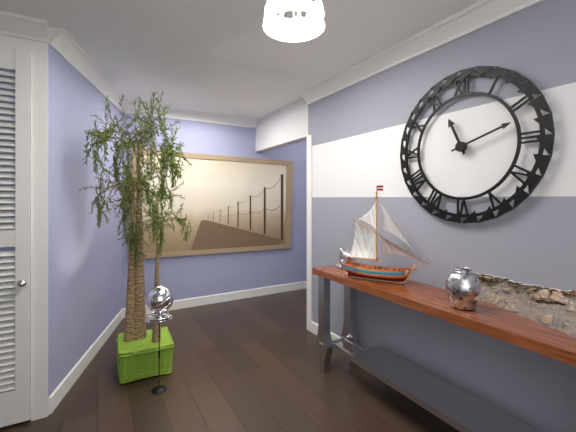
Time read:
11 h 12 min
